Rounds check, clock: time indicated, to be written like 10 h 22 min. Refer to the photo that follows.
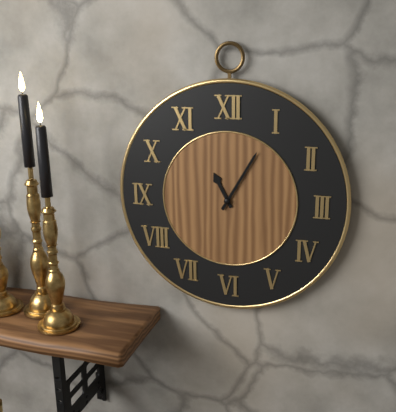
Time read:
11 h 05 min
